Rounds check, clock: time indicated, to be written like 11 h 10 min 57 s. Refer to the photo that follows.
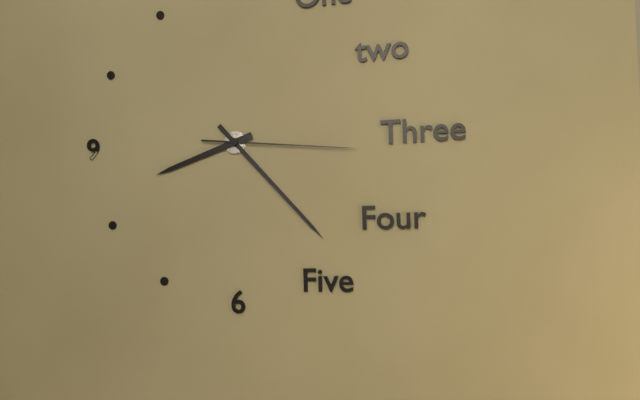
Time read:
8 h 23 min 16 s
